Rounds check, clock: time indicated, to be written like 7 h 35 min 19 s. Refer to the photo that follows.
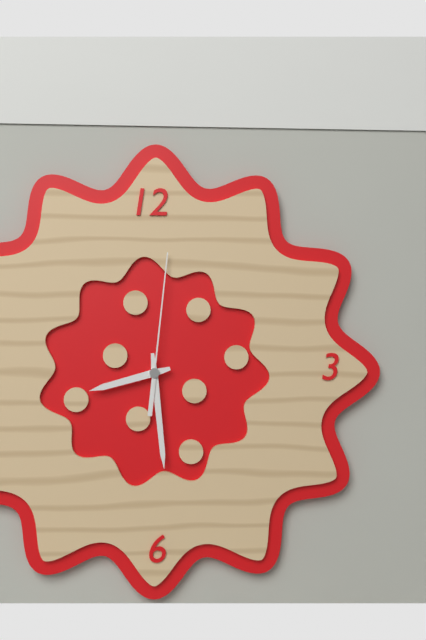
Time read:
8 h 29 min 01 s
